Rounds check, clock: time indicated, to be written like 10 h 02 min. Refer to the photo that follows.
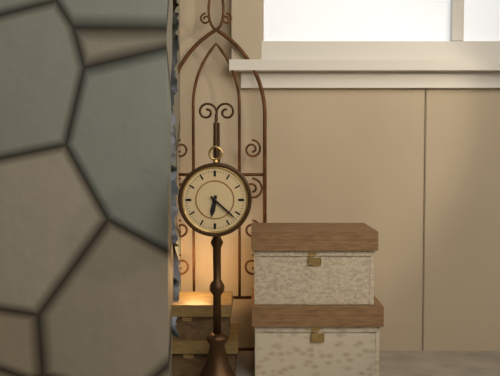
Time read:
6 h 22 min
